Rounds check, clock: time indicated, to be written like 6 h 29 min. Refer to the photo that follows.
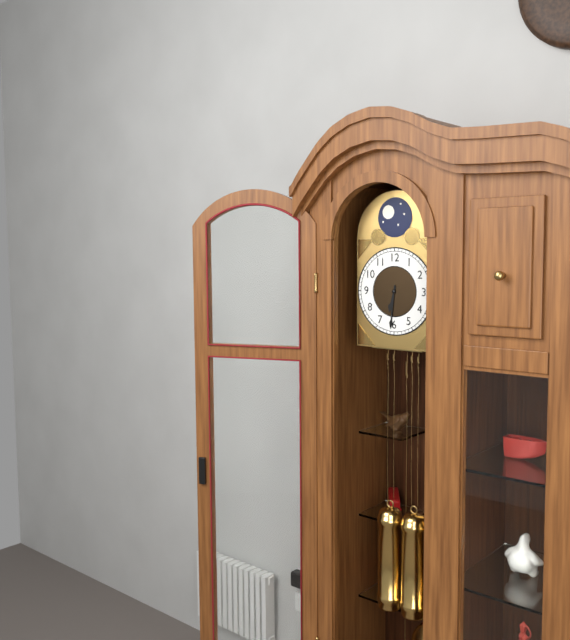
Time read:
6 h 31 min
